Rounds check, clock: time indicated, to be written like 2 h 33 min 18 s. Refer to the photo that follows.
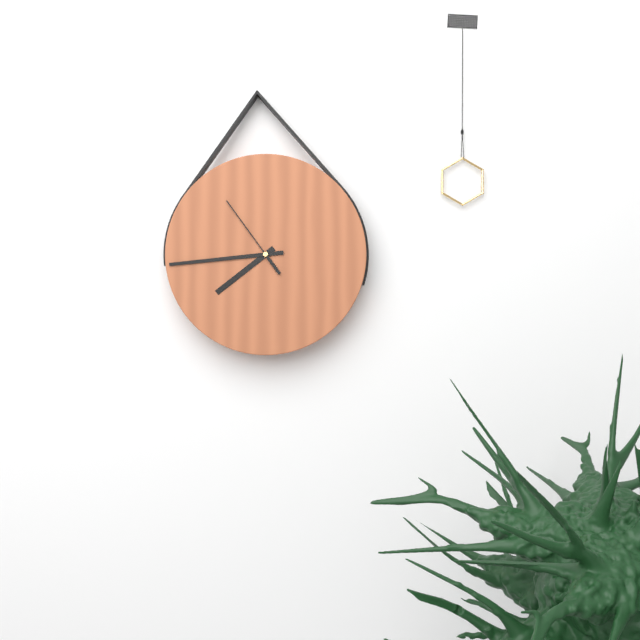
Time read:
7 h 44 min 54 s
